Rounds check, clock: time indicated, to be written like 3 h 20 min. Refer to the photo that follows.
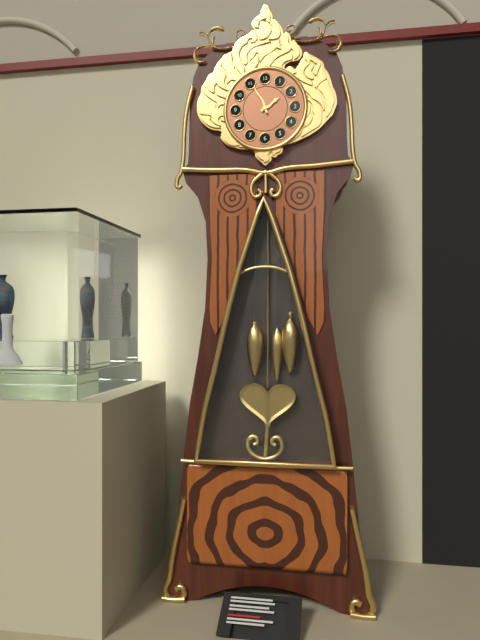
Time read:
1 h 56 min
